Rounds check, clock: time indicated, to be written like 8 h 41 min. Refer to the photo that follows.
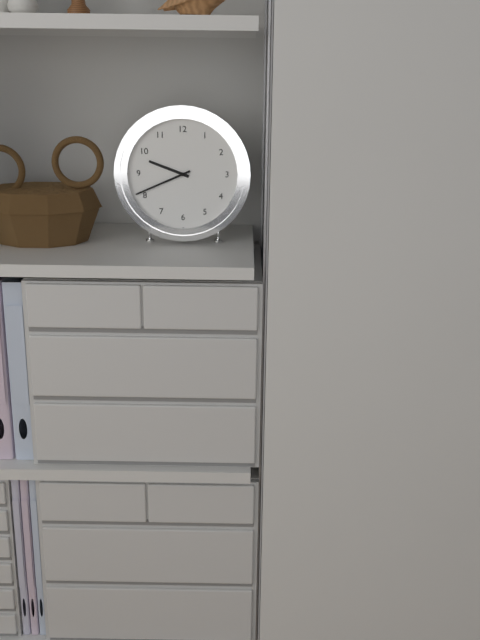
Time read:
9 h 41 min
